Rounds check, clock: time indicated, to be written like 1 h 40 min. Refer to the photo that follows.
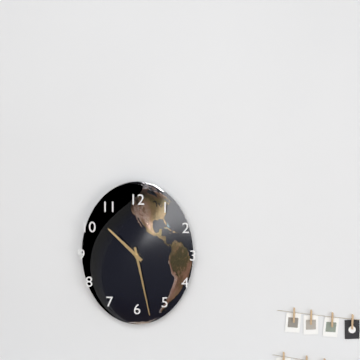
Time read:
10 h 28 min
